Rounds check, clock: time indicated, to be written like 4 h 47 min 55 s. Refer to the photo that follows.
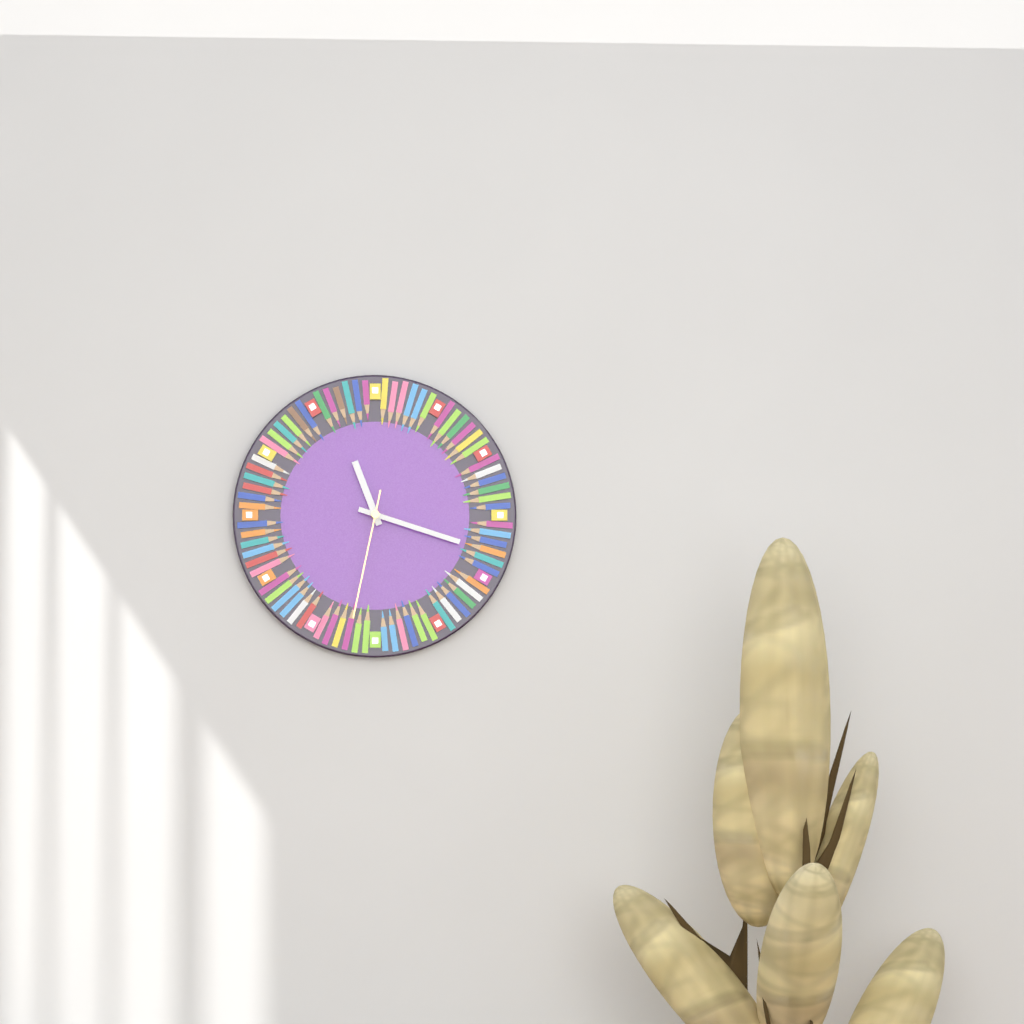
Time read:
11 h 18 min 32 s
